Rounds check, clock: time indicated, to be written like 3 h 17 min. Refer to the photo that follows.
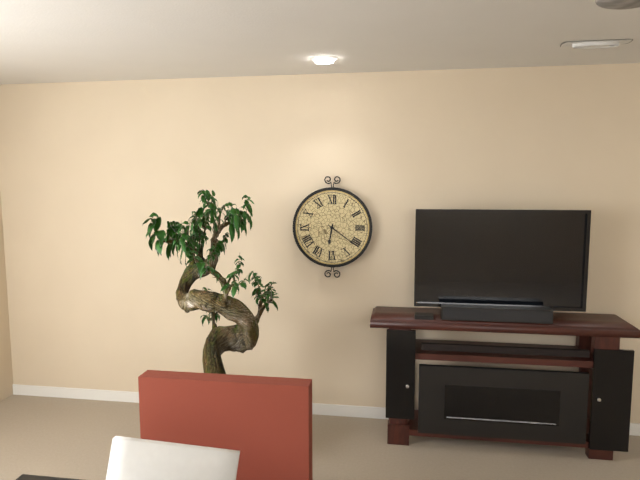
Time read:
6 h 21 min
